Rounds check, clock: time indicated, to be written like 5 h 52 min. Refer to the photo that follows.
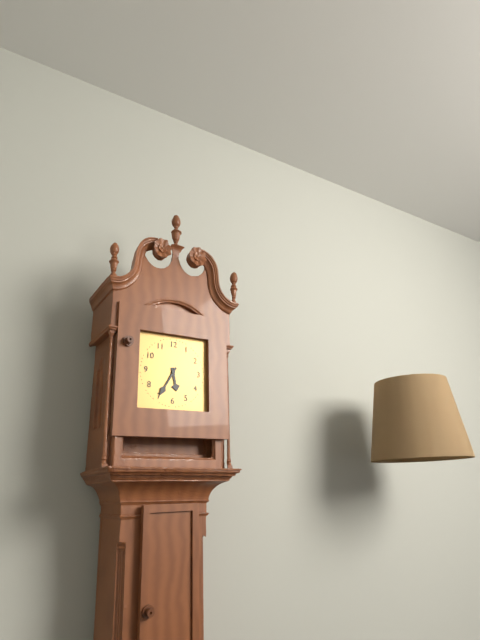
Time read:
5 h 35 min
